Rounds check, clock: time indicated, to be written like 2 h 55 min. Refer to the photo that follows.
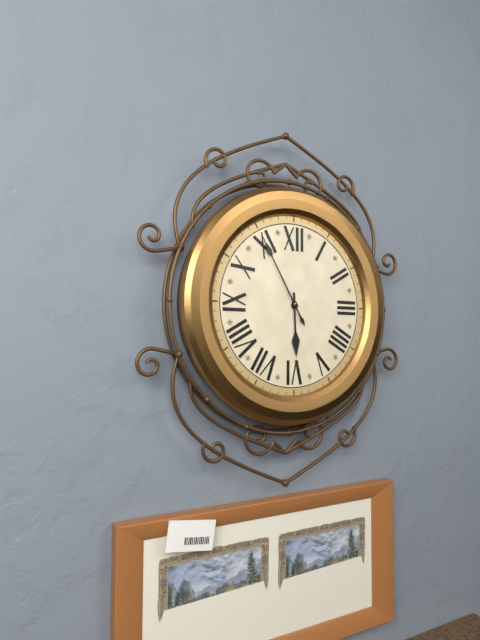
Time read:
5 h 55 min
